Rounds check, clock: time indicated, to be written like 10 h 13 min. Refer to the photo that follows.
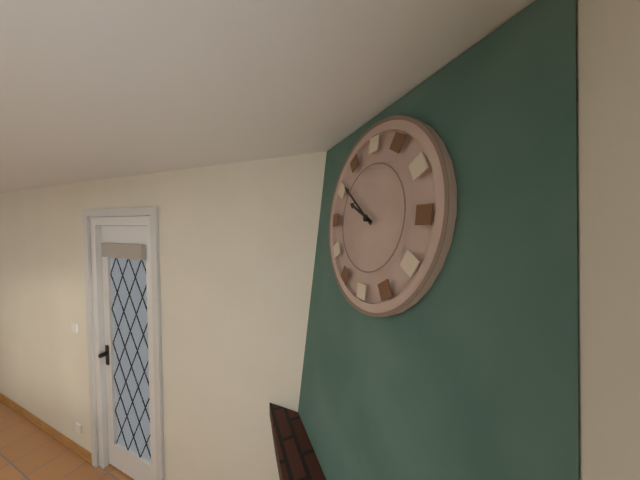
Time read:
9 h 51 min
